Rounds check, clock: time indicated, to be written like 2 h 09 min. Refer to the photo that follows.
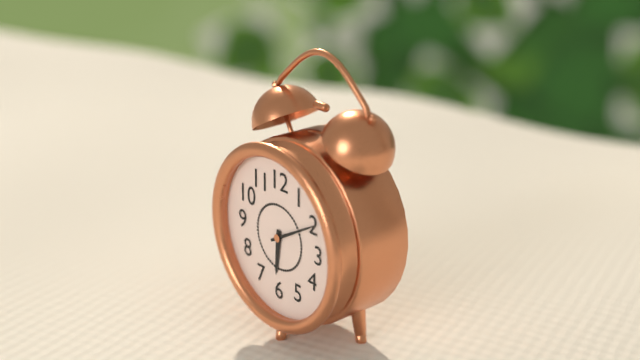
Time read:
6 h 10 min
